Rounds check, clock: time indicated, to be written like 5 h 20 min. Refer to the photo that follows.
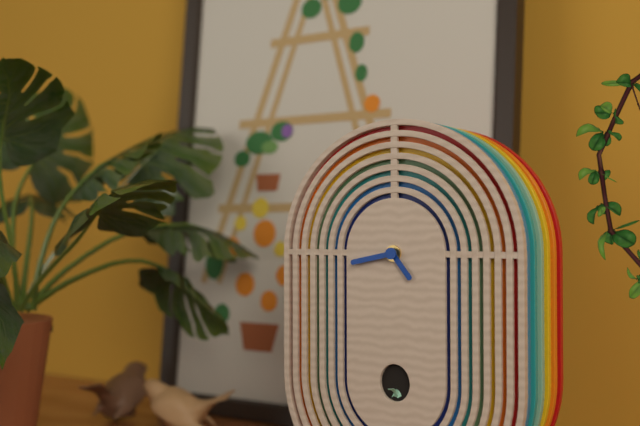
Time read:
4 h 43 min
